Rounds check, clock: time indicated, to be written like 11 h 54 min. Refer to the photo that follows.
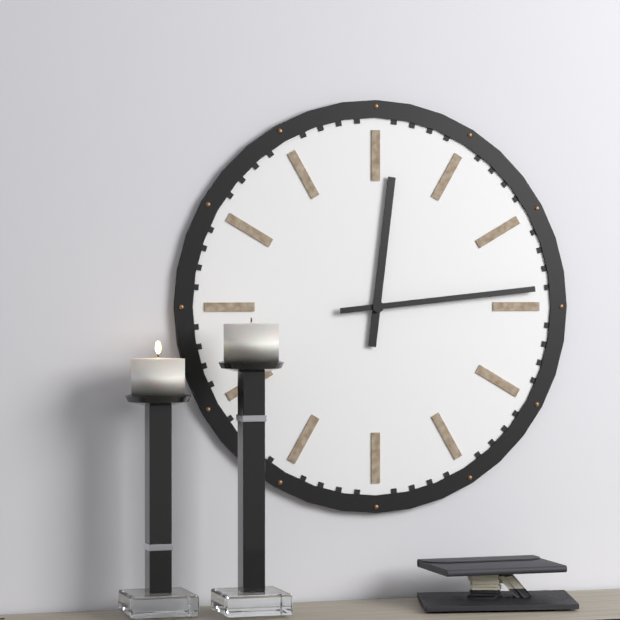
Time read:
12 h 14 min
